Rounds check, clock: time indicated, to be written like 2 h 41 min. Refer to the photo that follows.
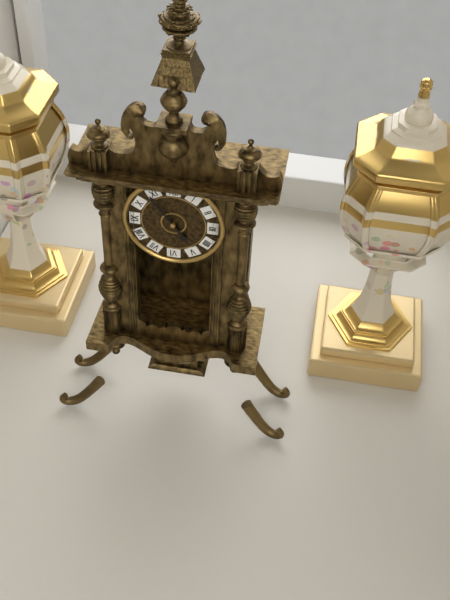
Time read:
4 h 54 min
